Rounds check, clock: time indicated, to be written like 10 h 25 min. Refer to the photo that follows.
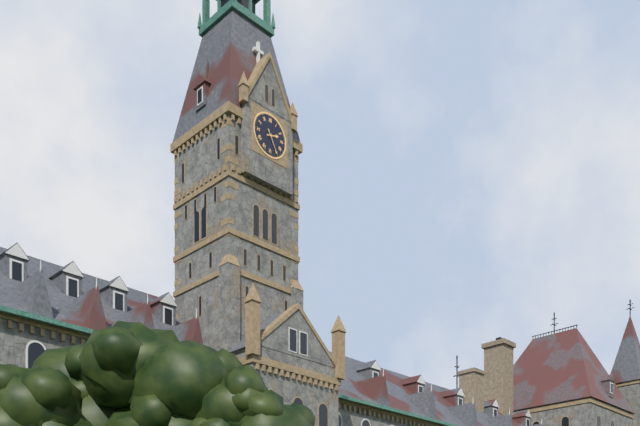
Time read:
2 h 25 min
